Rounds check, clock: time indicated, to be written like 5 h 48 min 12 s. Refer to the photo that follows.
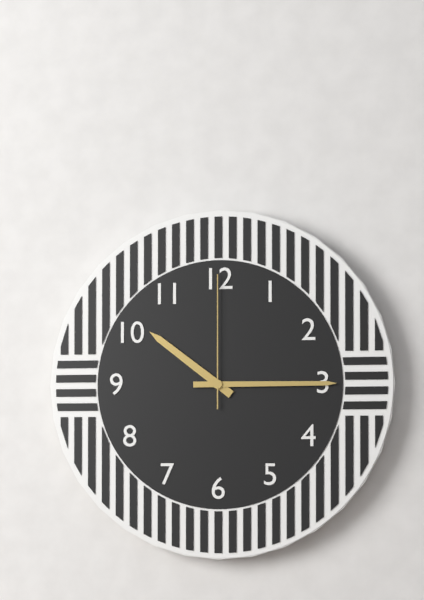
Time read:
10 h 15 min 00 s
